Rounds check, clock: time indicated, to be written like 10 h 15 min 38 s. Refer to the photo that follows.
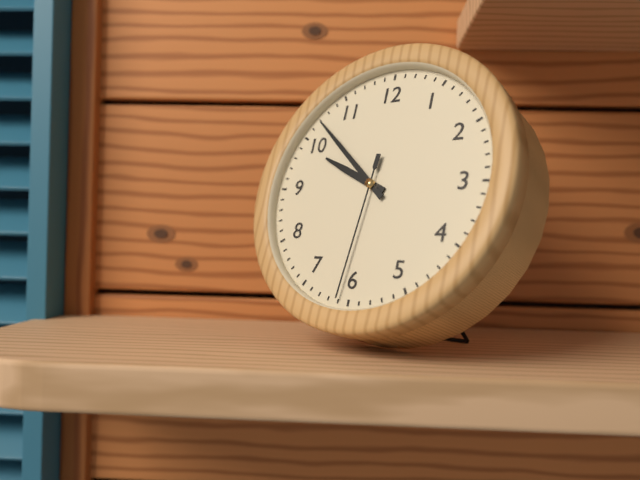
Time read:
9 h 52 min 31 s
